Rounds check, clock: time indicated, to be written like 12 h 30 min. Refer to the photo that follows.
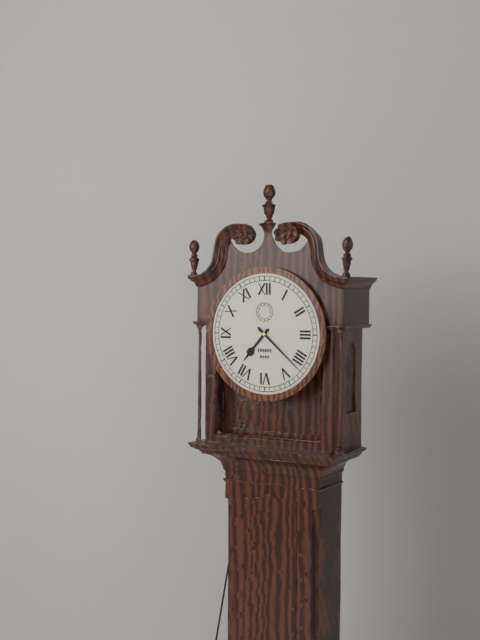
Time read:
7 h 22 min
